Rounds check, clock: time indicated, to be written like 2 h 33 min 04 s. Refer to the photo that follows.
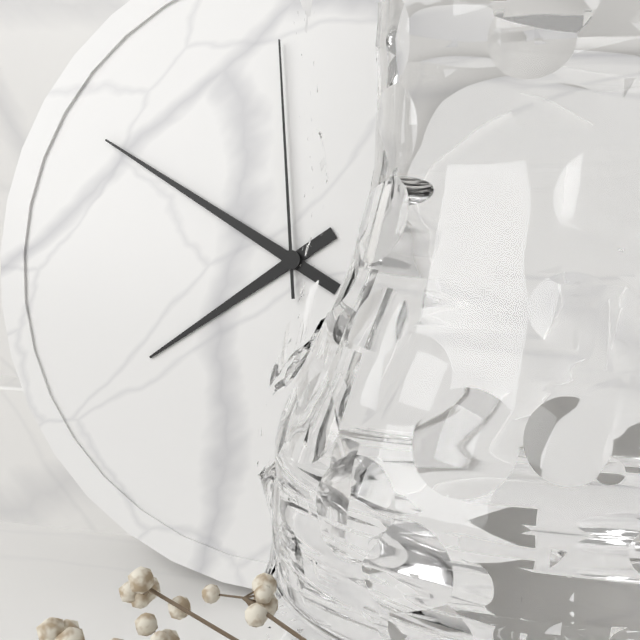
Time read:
7 h 50 min 59 s
